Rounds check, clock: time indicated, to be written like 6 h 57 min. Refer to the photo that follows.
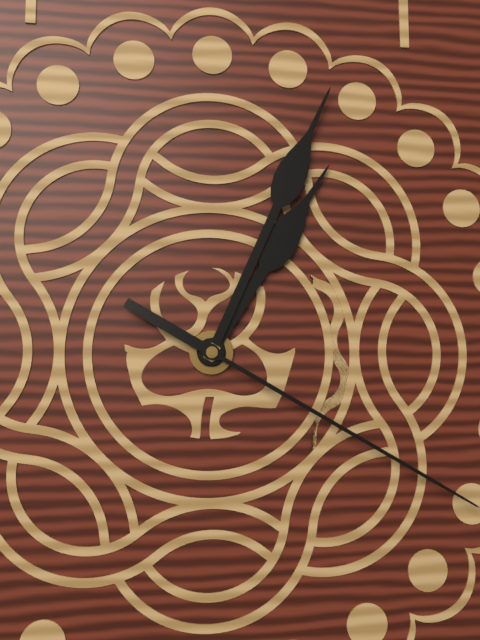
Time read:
1 h 04 min
